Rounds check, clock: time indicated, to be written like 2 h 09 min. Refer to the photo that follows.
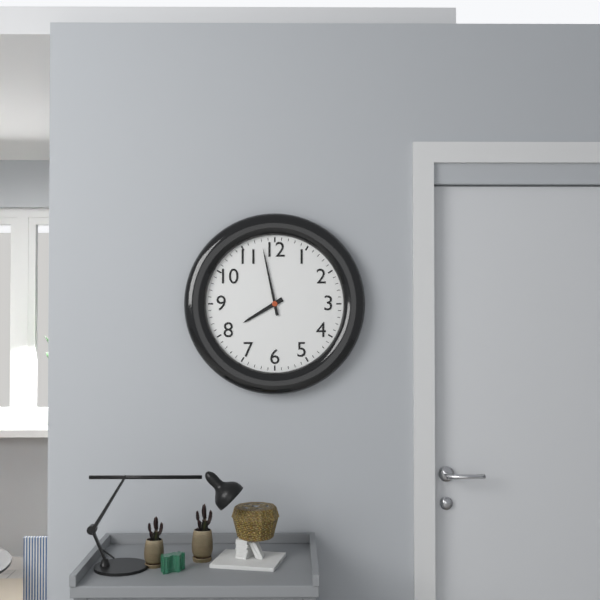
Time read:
7 h 58 min
